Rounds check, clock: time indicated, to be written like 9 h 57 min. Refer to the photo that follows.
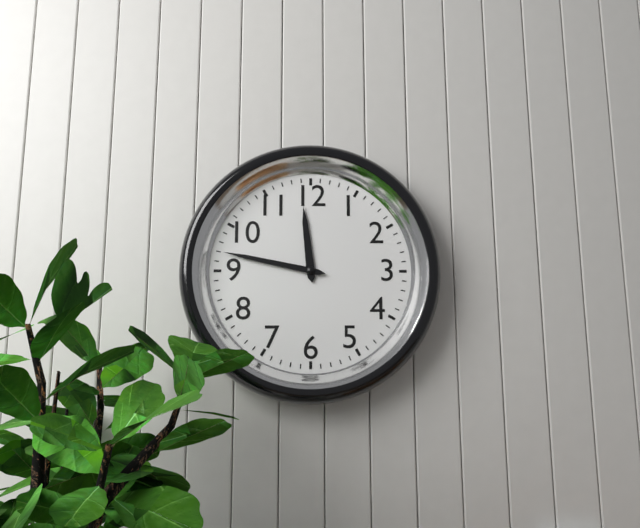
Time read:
11 h 47 min
